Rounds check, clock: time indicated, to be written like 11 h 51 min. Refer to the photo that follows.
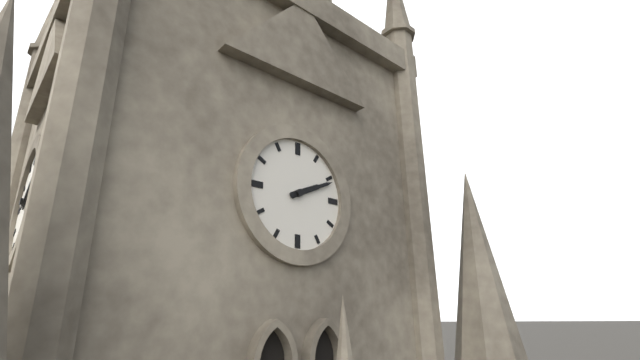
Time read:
2 h 11 min
